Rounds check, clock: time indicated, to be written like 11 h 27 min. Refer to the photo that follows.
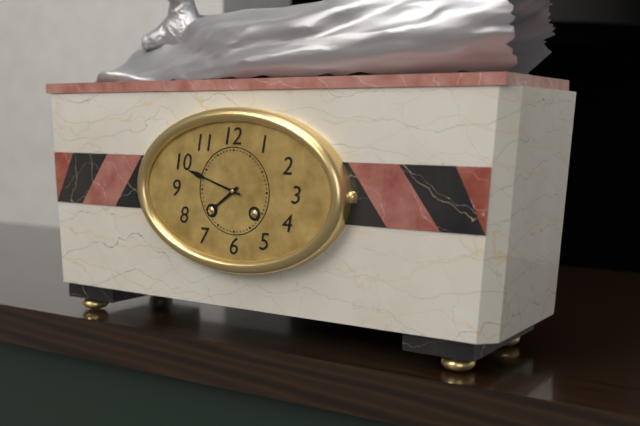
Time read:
7 h 48 min
